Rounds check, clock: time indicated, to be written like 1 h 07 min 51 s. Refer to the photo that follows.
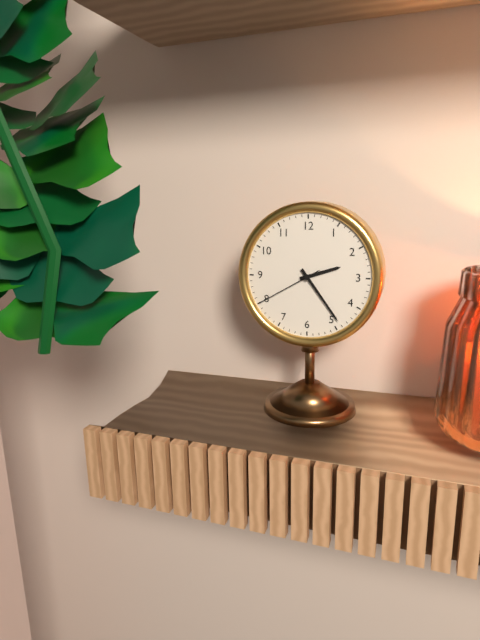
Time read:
2 h 24 min 40 s
